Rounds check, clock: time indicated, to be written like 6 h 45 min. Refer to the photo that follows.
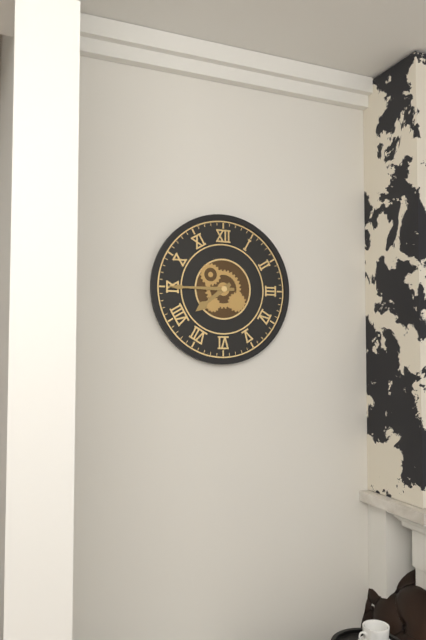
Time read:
7 h 45 min
